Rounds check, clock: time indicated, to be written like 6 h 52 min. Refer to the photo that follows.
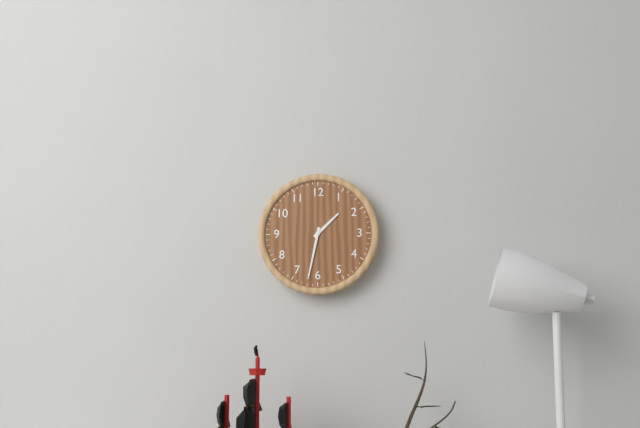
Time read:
1 h 32 min
